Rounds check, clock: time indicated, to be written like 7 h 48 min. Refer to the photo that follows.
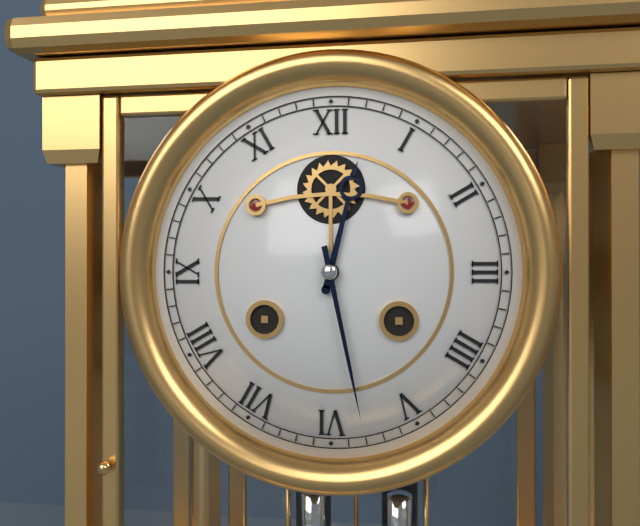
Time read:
12 h 28 min
